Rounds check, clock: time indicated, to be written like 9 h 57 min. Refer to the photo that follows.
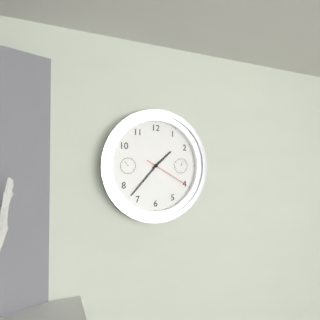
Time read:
1 h 37 min
